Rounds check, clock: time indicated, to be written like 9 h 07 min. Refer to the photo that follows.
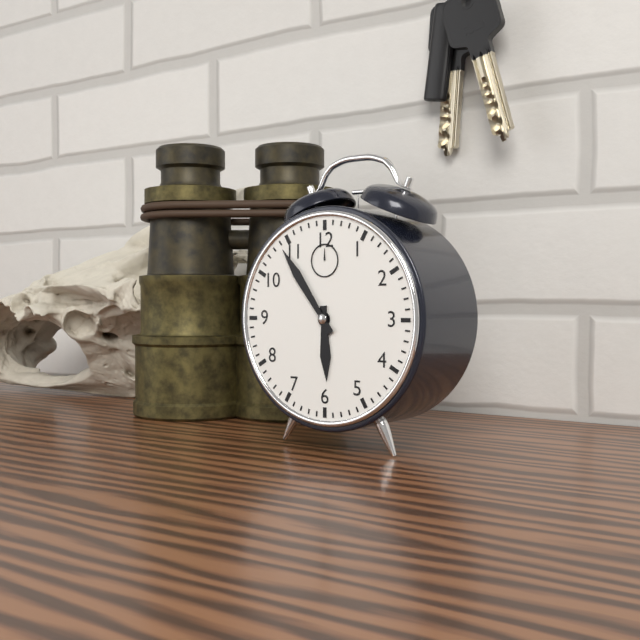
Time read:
5 h 54 min
